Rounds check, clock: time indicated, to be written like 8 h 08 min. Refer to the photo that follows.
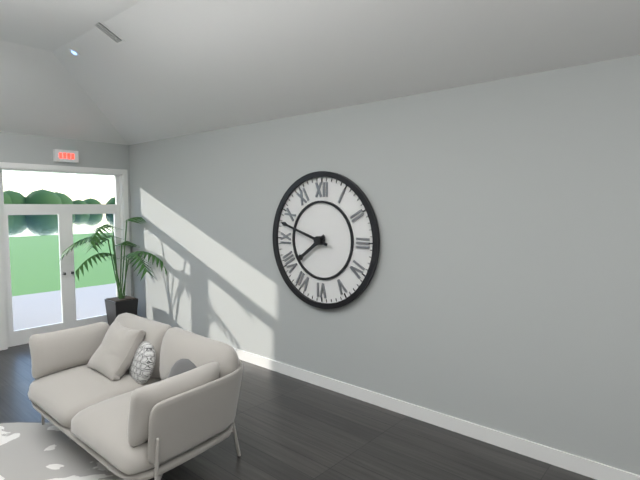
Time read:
7 h 48 min
